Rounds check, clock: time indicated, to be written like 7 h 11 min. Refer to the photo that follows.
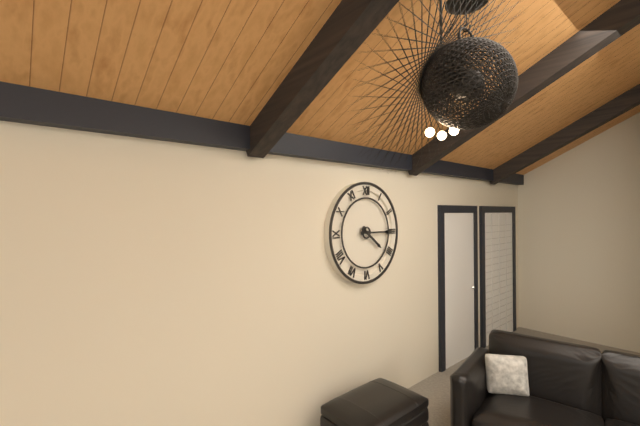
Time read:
4 h 15 min
